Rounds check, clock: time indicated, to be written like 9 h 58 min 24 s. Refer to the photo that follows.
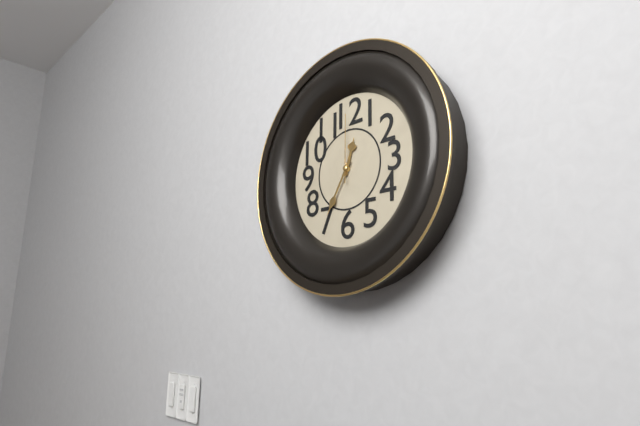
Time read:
12 h 35 min 00 s
